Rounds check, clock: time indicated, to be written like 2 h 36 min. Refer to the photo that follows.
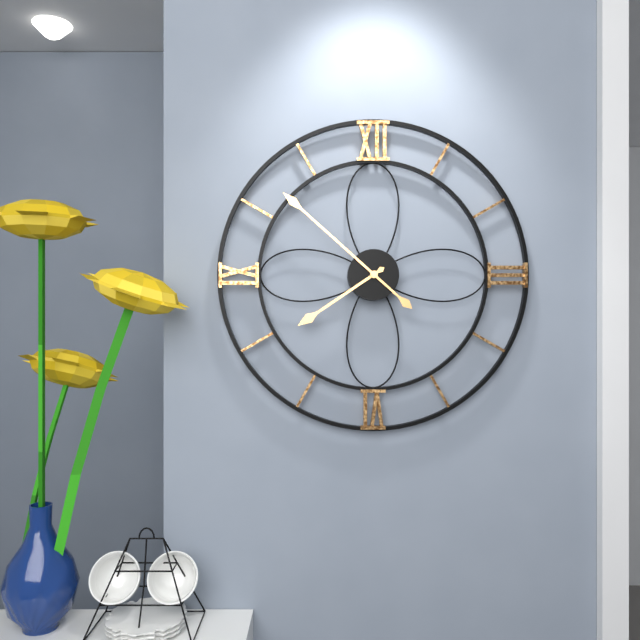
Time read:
7 h 52 min
